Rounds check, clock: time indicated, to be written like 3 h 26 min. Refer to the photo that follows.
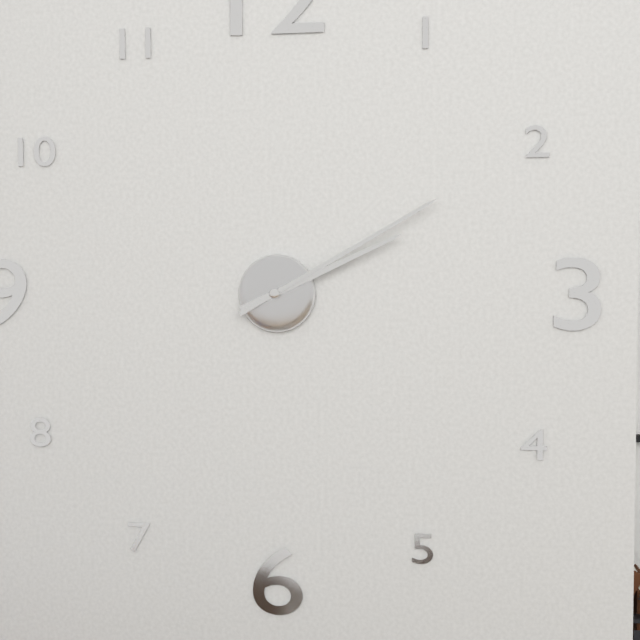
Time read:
2 h 10 min
